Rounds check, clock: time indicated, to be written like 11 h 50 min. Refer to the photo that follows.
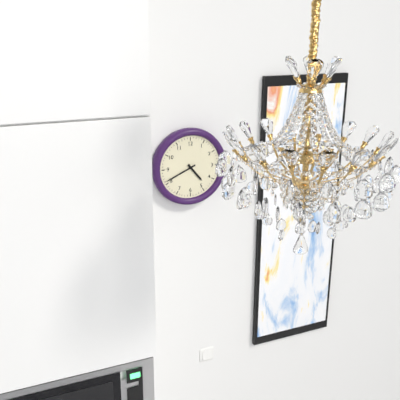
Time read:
4 h 41 min
